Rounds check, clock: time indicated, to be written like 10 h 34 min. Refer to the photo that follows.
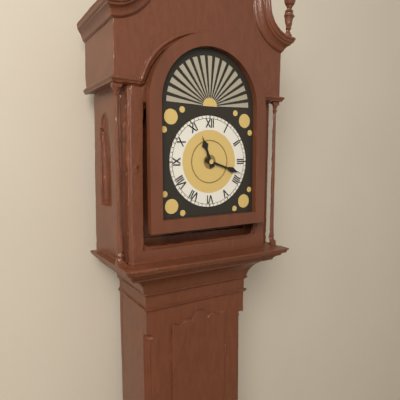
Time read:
11 h 18 min
